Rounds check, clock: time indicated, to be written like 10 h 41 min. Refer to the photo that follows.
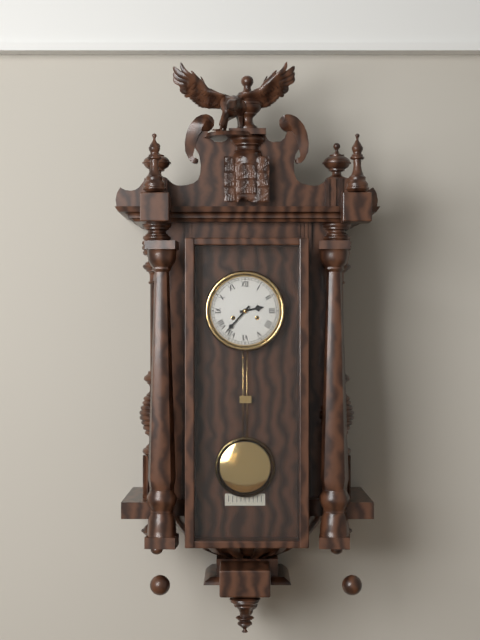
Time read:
2 h 37 min
